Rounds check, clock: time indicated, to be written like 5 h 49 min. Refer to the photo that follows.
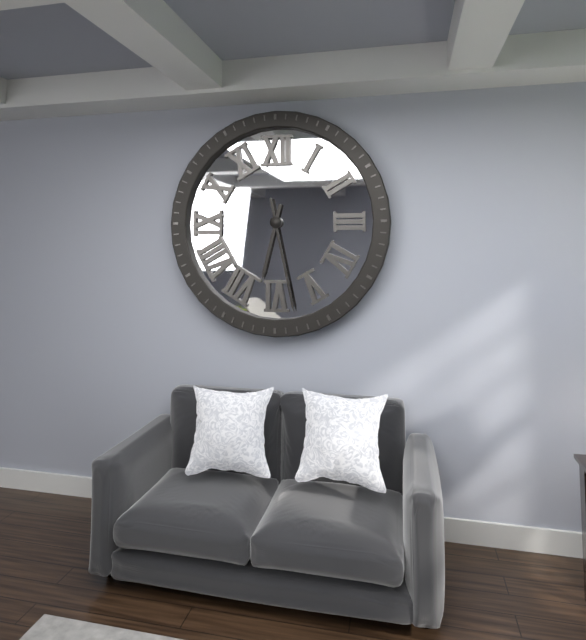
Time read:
6 h 28 min
